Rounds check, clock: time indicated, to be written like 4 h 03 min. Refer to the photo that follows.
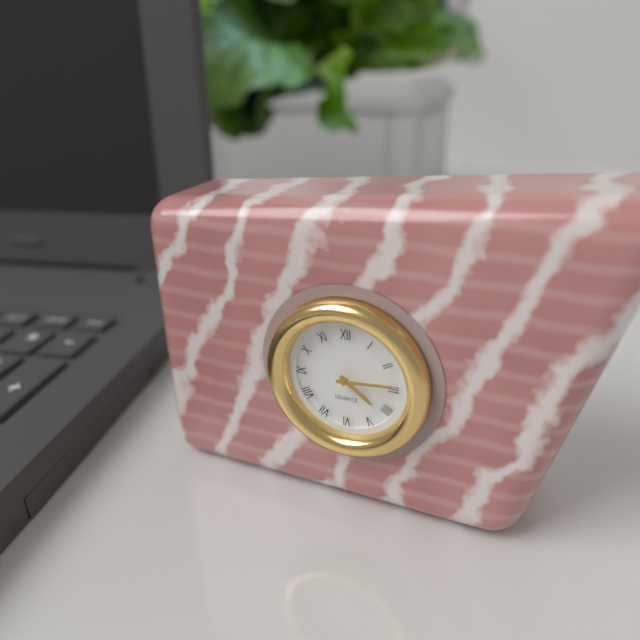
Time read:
4 h 14 min
